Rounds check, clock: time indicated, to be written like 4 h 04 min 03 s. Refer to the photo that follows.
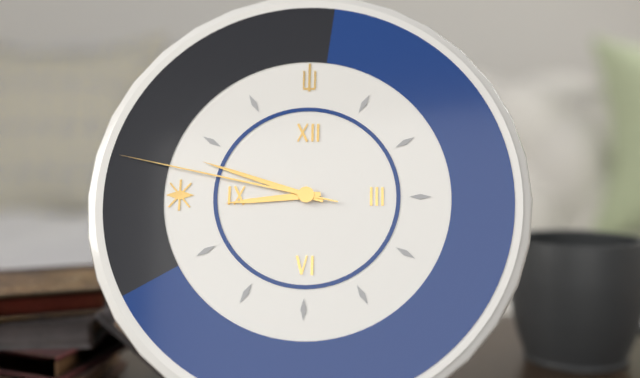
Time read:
8 h 48 min 47 s
